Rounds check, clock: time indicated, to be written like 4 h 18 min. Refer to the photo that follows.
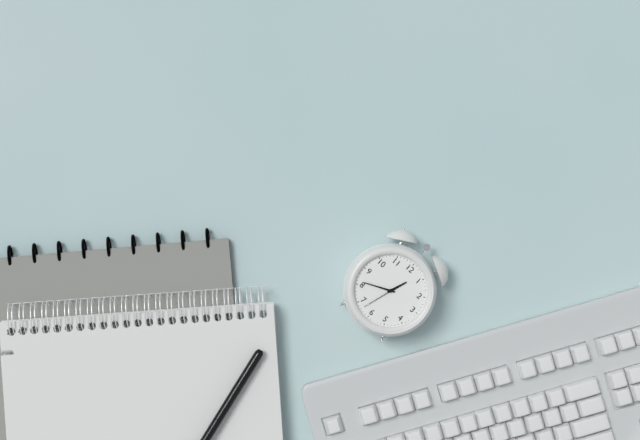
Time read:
12 h 41 min
